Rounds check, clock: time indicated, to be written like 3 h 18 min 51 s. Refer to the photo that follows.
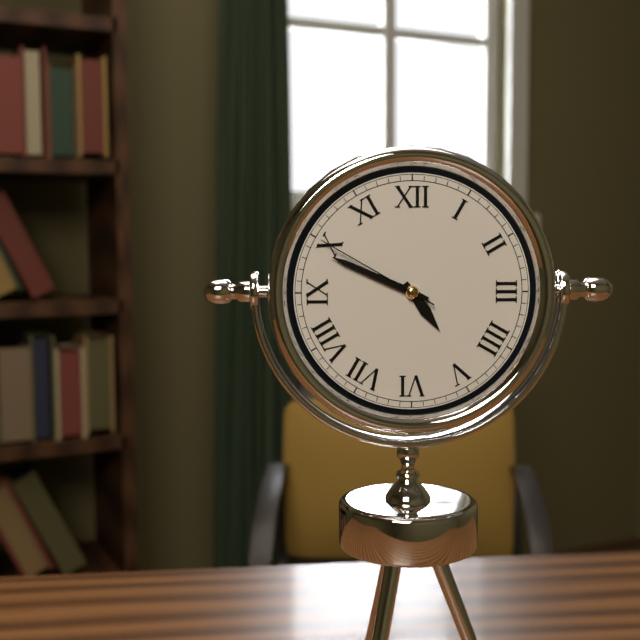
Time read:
4 h 49 min 50 s
